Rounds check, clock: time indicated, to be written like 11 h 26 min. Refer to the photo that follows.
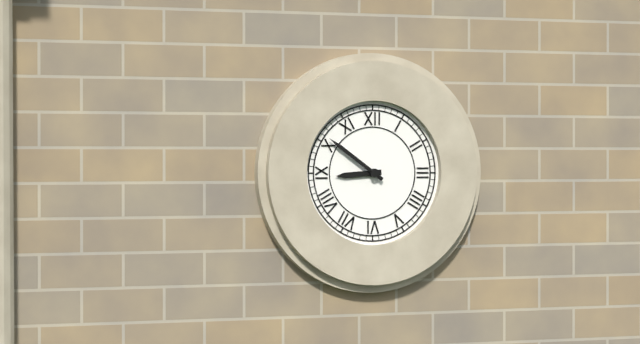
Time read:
8 h 51 min
